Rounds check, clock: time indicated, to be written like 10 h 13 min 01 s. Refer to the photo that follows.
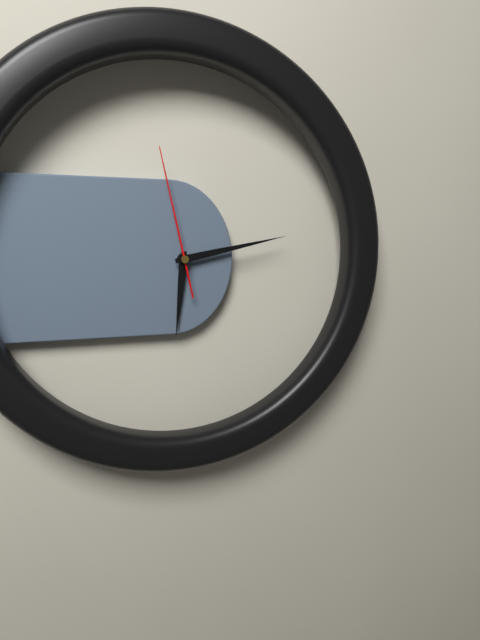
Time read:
6 h 13 min 58 s
